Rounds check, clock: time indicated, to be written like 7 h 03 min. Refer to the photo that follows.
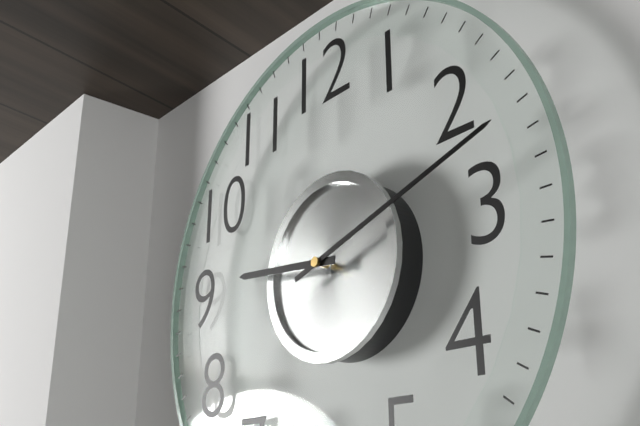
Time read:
9 h 12 min
